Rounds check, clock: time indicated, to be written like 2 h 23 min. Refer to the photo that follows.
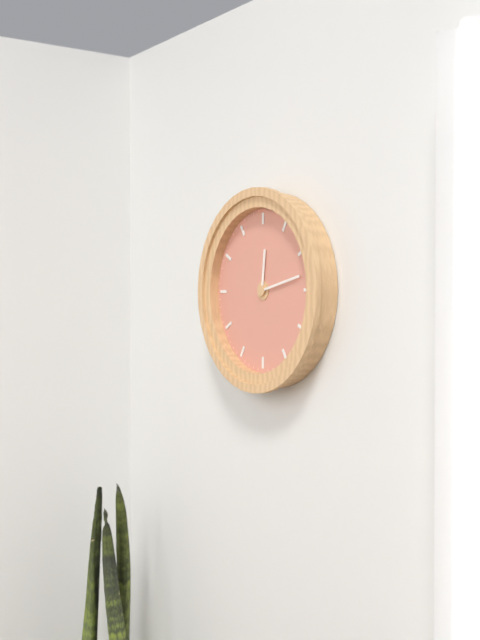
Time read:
12 h 13 min
